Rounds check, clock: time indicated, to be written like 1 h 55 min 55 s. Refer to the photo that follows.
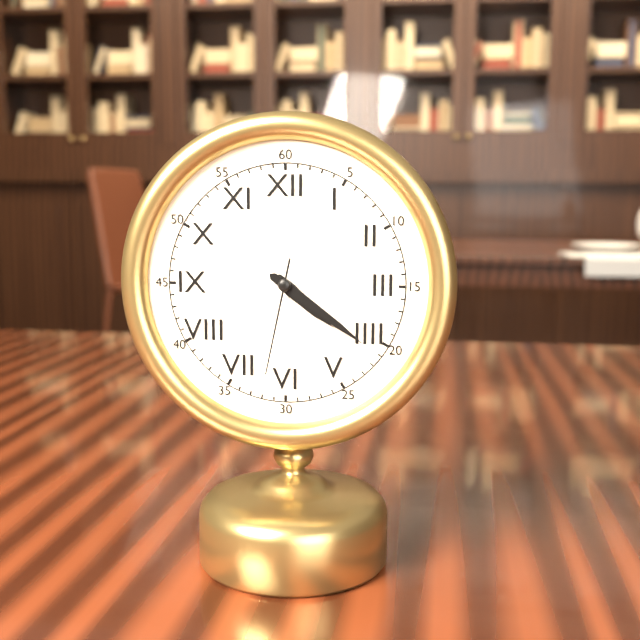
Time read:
4 h 21 min 32 s
